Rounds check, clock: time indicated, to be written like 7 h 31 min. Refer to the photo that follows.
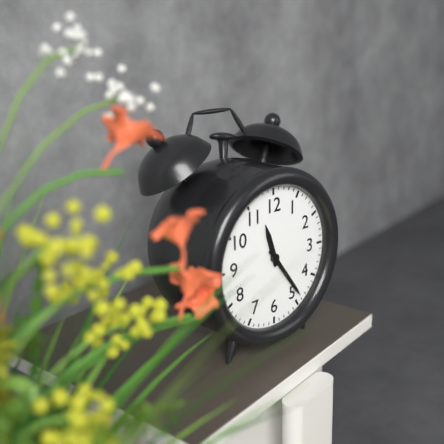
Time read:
11 h 24 min
